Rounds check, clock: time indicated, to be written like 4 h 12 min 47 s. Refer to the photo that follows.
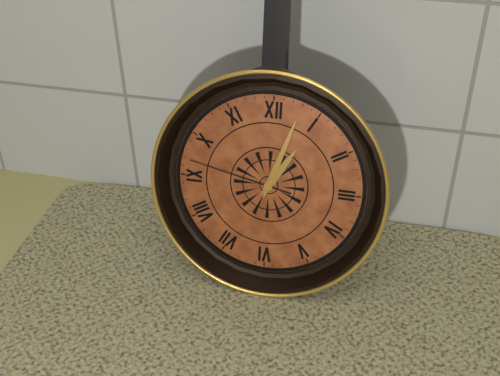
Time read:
1 h 03 min 47 s
